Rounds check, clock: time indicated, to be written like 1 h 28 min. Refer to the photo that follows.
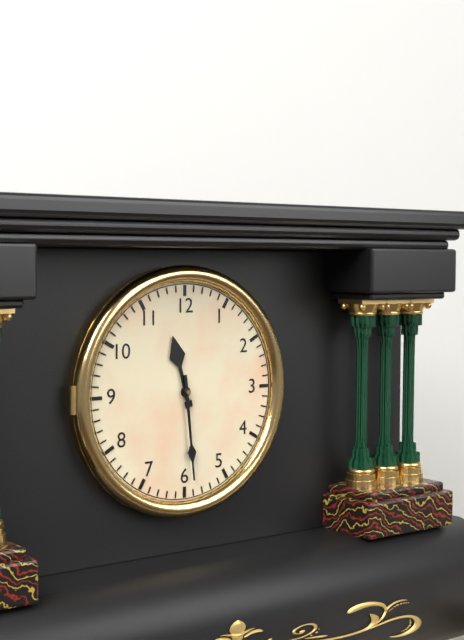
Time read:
11 h 29 min
